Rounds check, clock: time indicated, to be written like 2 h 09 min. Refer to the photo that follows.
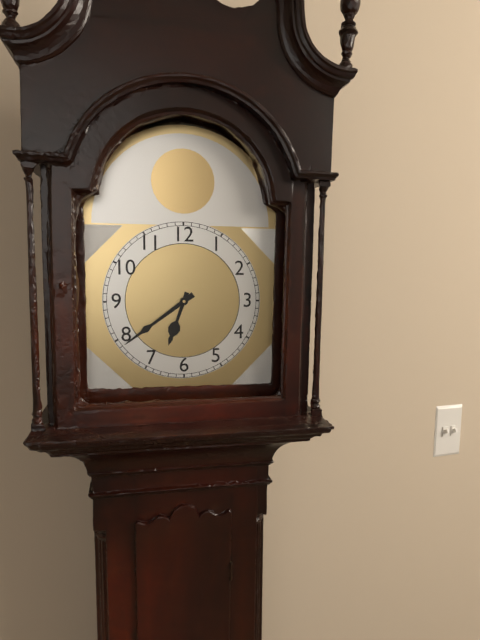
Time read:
6 h 39 min
